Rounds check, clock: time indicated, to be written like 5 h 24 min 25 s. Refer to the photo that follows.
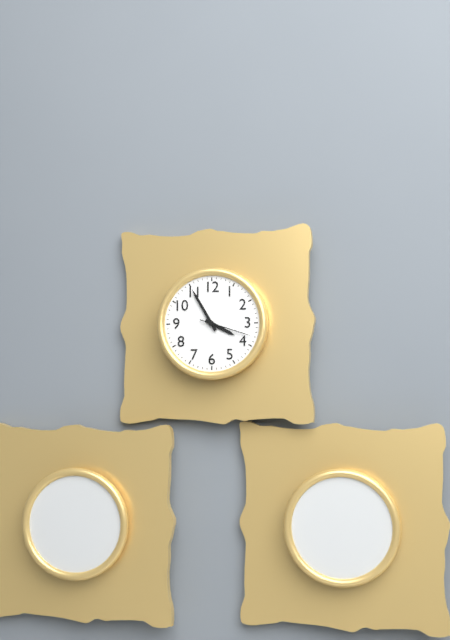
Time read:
3 h 55 min 18 s
